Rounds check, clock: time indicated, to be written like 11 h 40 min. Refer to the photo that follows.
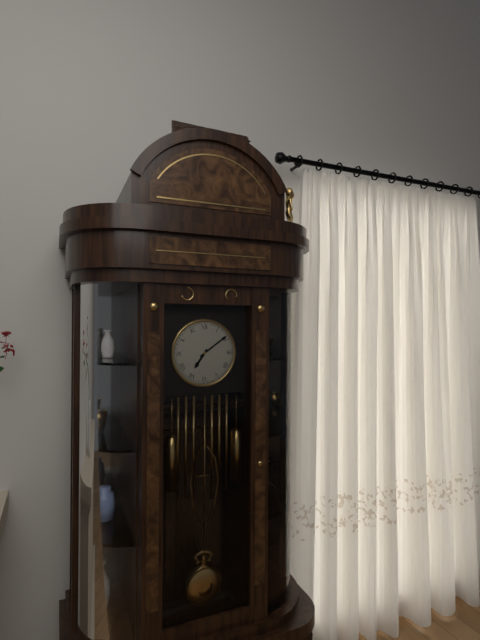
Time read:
7 h 09 min
